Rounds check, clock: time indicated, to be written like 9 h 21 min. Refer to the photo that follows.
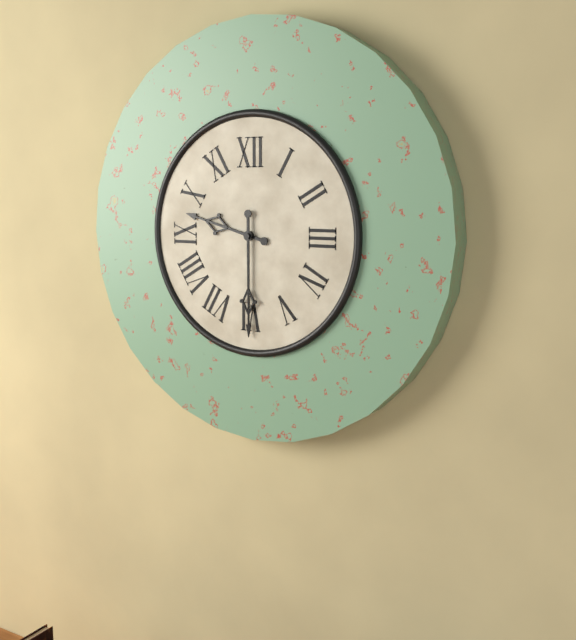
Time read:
9 h 30 min
